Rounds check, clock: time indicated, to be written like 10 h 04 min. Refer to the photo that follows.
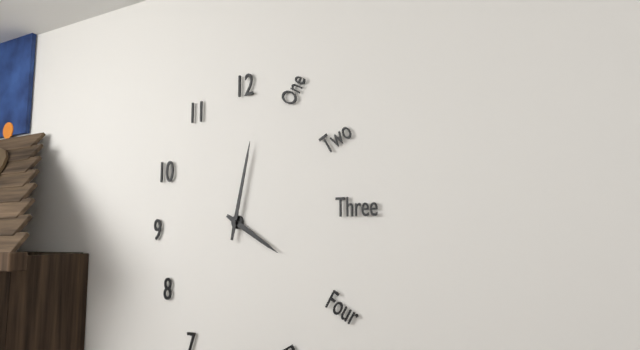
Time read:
4 h 02 min
